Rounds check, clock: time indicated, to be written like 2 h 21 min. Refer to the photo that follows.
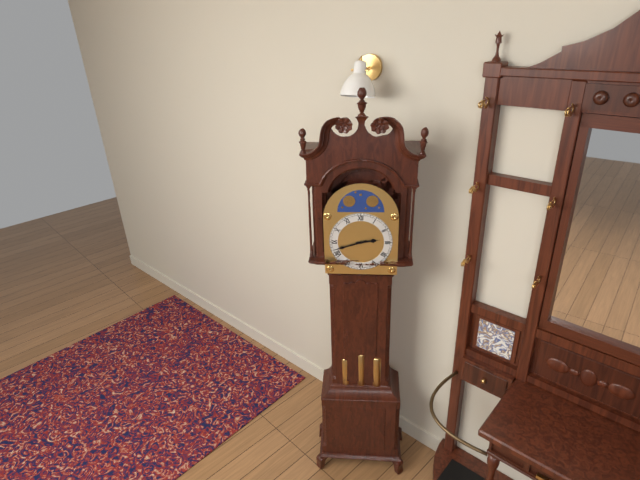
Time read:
2 h 42 min
